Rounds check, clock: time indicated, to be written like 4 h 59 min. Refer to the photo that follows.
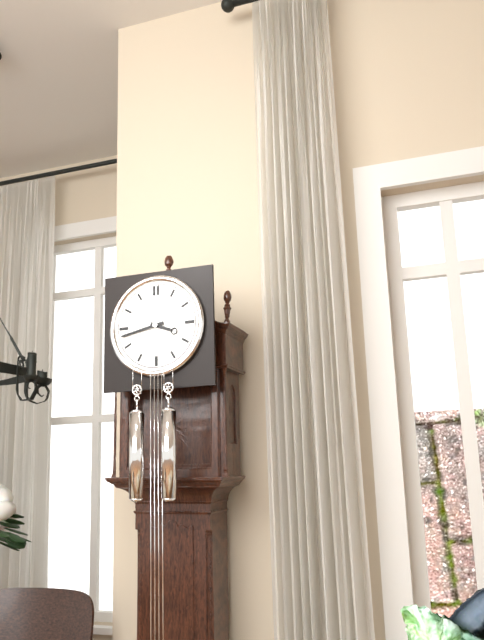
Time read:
3 h 43 min
